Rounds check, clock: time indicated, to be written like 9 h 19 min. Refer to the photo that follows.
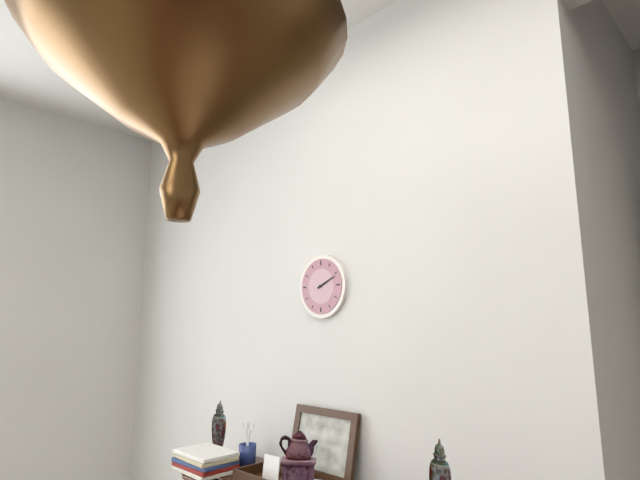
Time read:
2 h 11 min
